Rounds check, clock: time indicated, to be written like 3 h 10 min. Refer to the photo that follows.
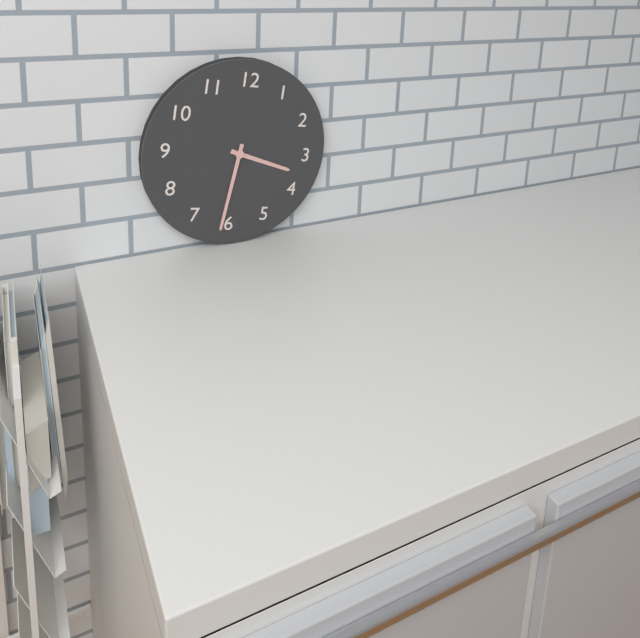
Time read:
3 h 31 min
